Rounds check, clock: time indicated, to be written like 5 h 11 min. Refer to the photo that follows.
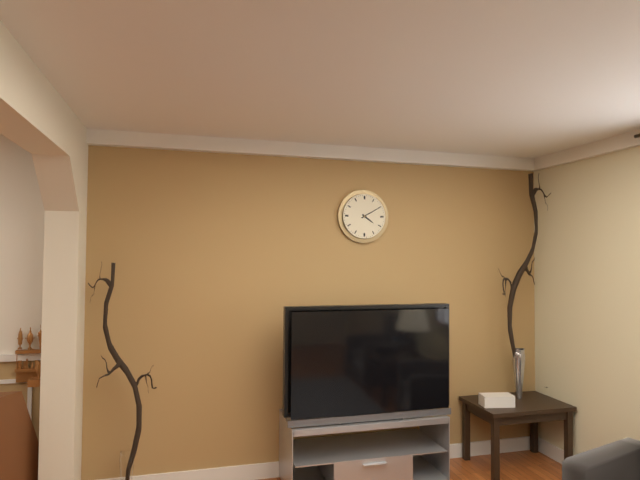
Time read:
4 h 10 min
